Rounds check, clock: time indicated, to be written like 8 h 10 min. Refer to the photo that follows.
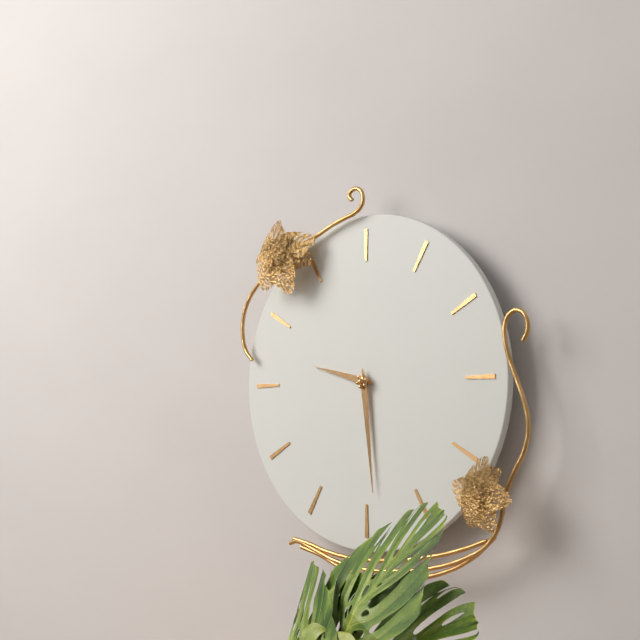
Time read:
9 h 29 min
